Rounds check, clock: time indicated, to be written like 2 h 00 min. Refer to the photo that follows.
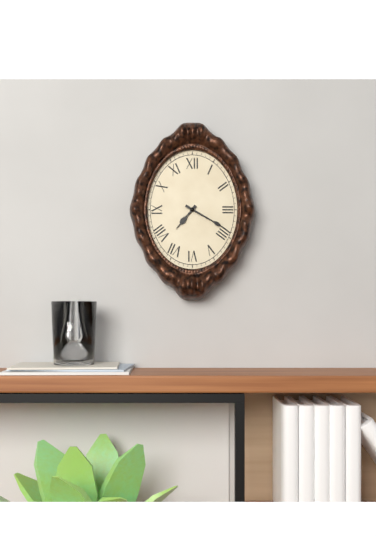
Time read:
7 h 20 min
